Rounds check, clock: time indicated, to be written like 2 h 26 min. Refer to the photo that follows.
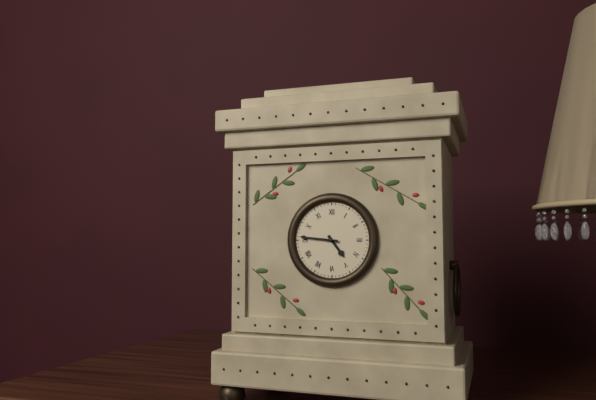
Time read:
4 h 46 min
